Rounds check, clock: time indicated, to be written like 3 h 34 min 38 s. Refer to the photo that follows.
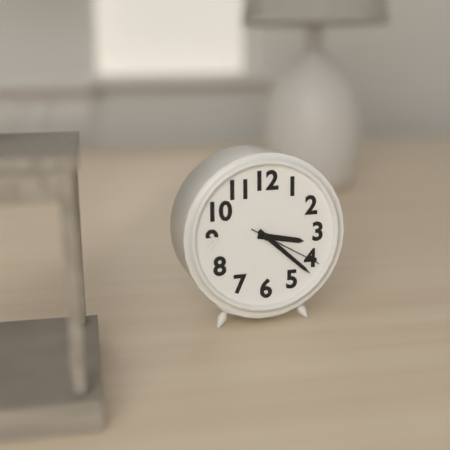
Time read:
3 h 22 min 20 s
